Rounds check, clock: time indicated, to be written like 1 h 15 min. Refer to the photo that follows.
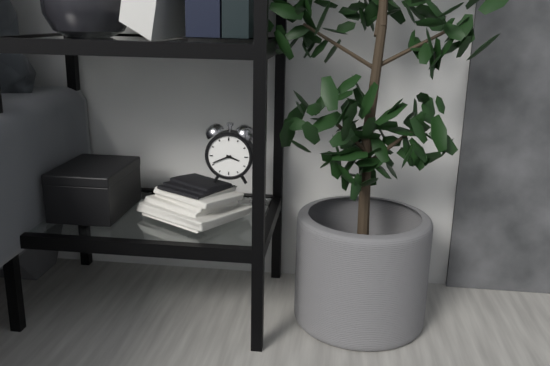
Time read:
3 h 41 min
